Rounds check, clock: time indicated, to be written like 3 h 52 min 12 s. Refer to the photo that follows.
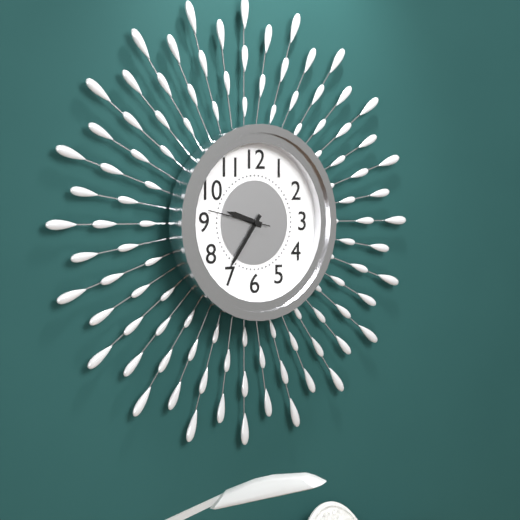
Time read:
9 h 36 min 47 s
